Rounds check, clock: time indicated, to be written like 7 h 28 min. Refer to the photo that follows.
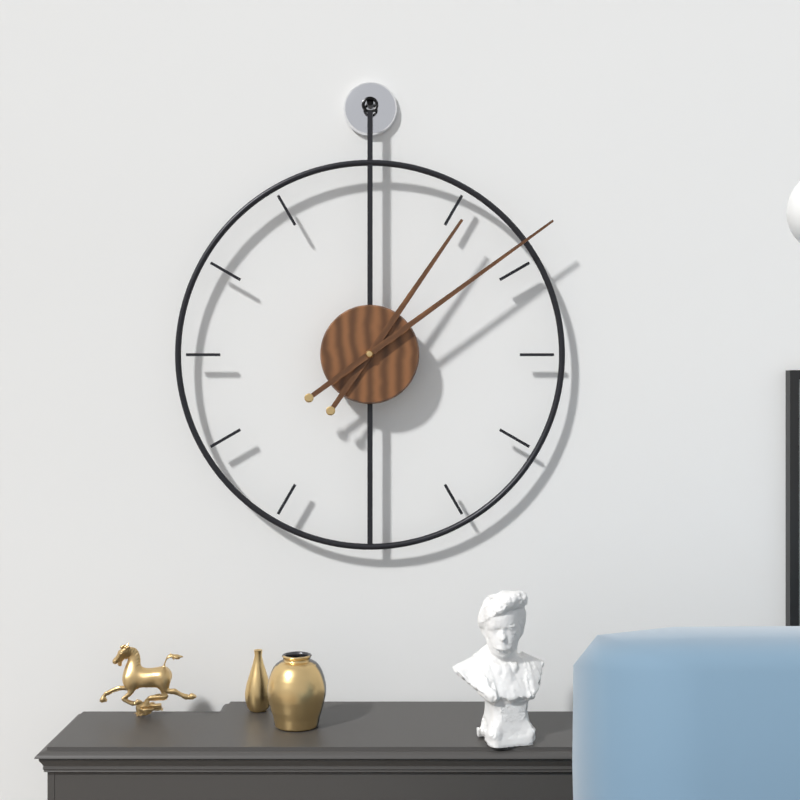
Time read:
1 h 09 min
